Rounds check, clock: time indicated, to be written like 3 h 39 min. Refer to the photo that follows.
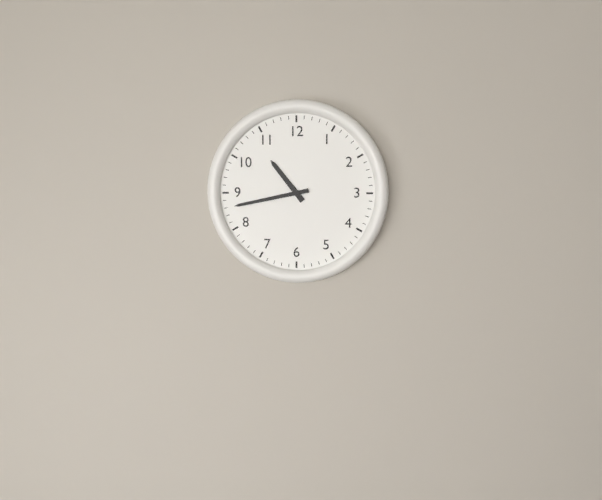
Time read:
10 h 43 min
